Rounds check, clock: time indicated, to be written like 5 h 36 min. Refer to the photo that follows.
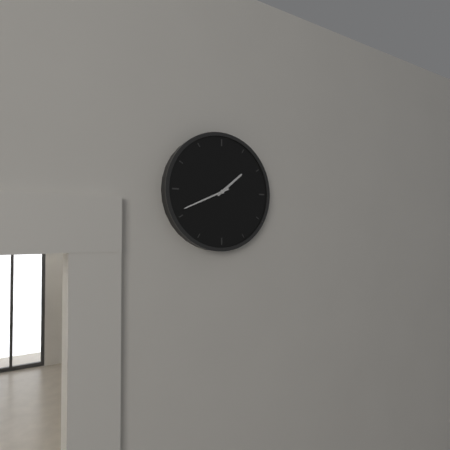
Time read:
1 h 41 min
